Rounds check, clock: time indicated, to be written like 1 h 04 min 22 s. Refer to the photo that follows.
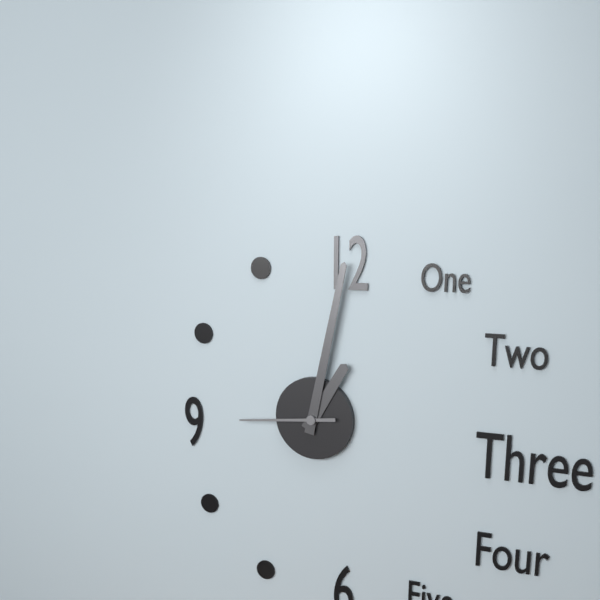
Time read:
1 h 02 min 44 s
